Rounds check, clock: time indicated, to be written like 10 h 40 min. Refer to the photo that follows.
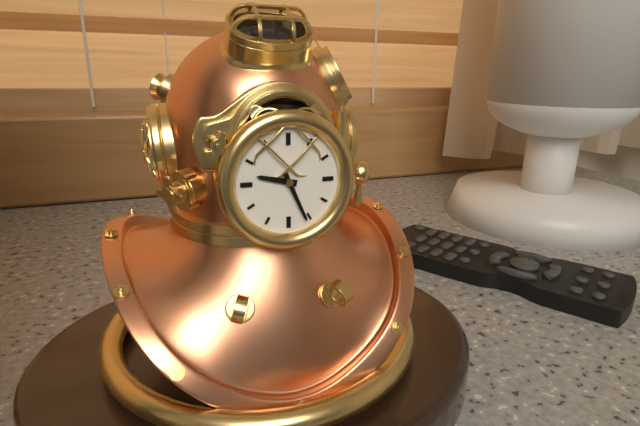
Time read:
9 h 26 min
